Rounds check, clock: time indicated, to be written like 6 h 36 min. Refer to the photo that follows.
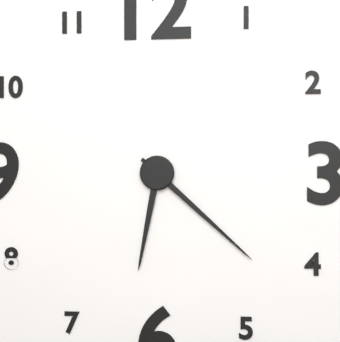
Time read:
6 h 22 min
